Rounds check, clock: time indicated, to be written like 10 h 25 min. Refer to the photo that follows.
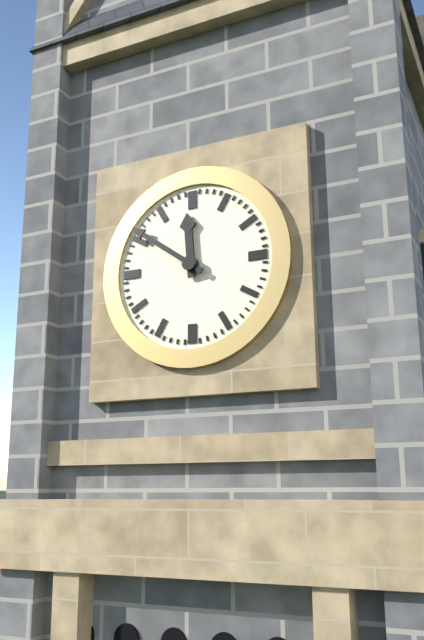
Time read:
11 h 51 min
